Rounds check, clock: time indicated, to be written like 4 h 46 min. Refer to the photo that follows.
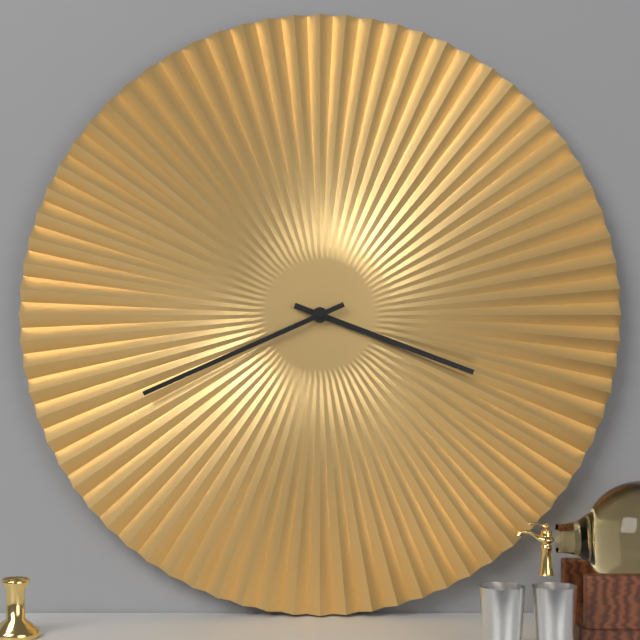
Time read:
3 h 41 min
